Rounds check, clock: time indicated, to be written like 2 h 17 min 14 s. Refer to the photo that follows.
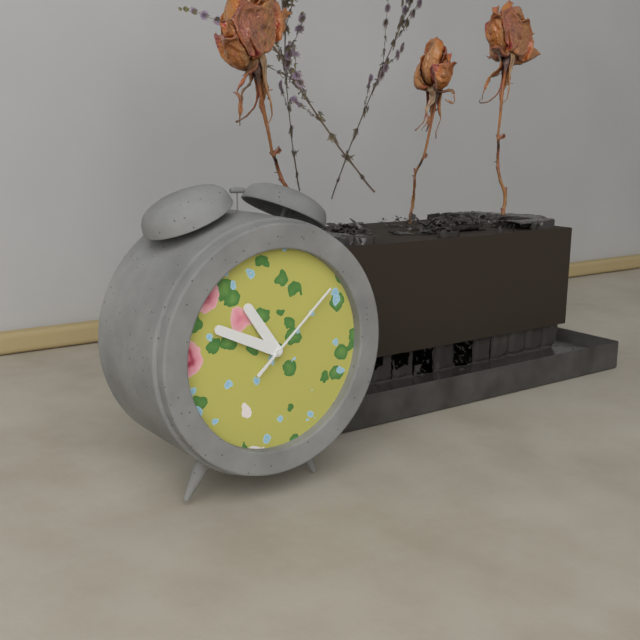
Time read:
10 h 49 min 08 s
